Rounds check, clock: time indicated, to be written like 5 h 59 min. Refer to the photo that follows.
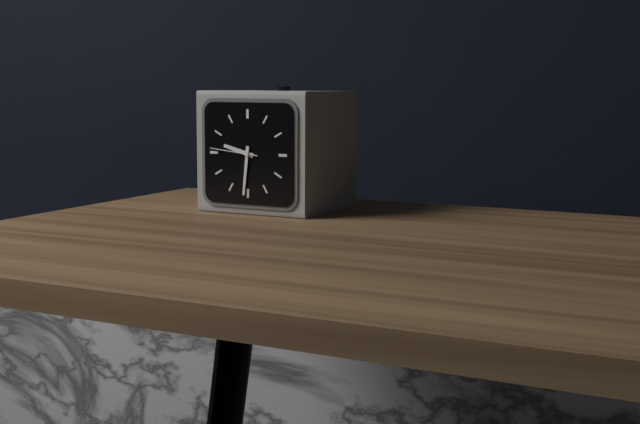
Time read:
9 h 31 min
